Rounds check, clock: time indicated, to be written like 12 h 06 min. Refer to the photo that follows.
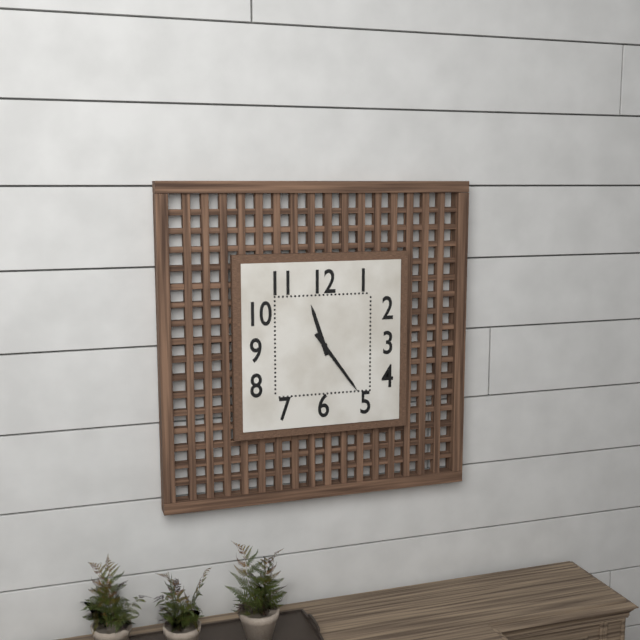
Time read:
11 h 24 min
